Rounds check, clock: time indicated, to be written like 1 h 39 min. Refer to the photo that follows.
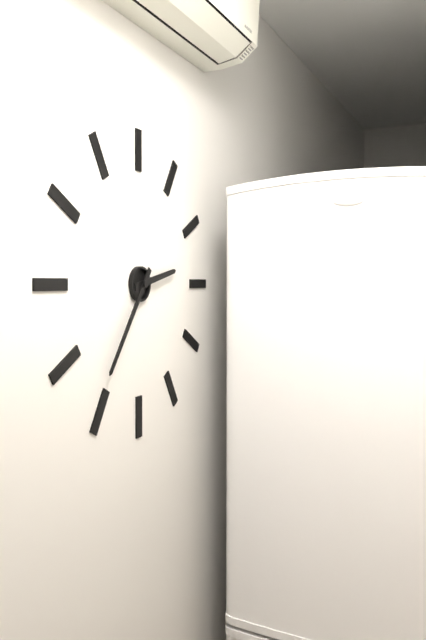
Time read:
2 h 36 min
